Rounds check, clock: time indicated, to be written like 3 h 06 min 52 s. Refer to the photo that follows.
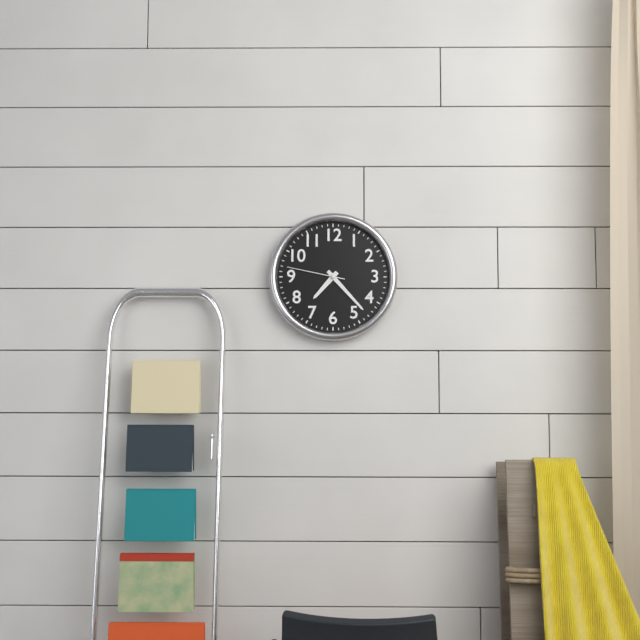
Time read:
7 h 23 min 47 s
